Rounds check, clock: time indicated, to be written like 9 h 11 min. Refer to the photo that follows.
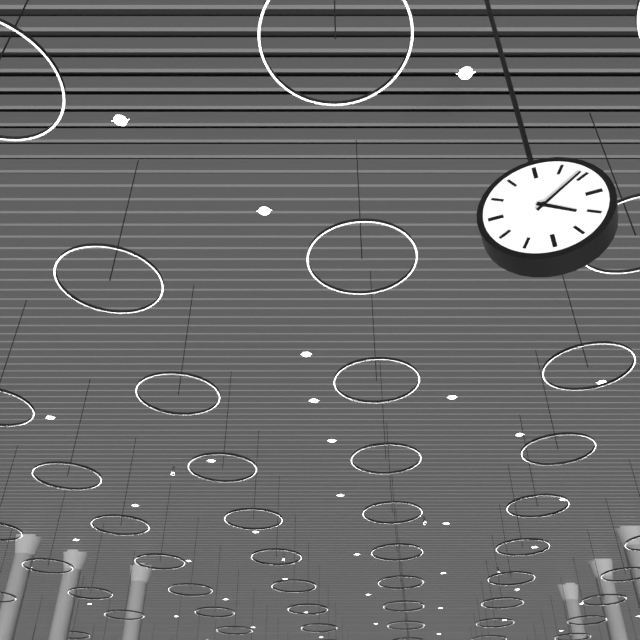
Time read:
4 h 09 min
